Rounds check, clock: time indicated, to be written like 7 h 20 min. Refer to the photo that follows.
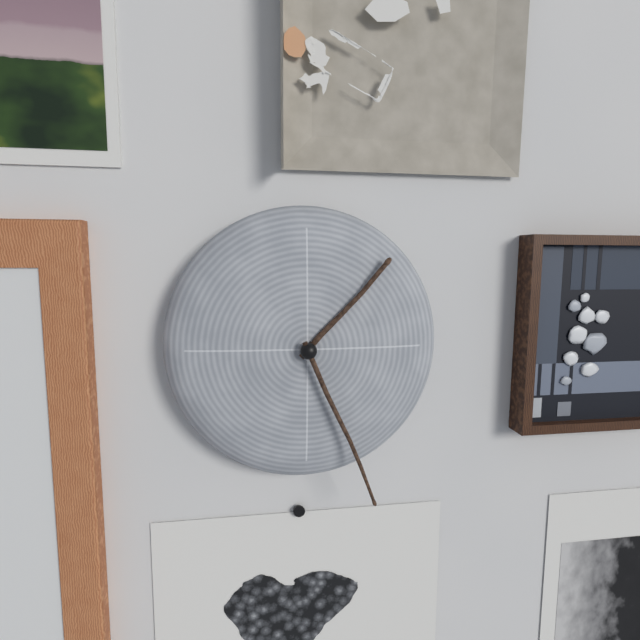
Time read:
1 h 26 min
